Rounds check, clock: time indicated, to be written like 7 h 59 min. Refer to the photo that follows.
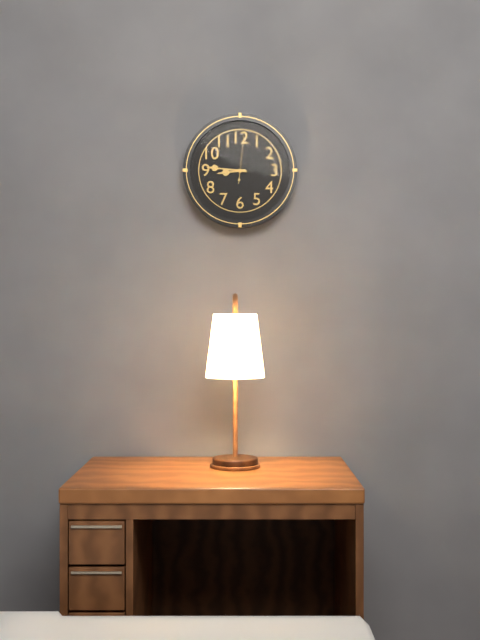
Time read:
8 h 46 min
